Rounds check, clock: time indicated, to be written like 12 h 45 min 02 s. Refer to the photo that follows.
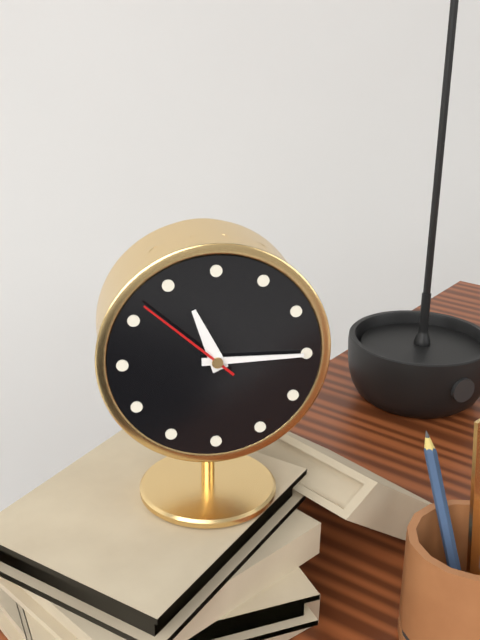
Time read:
11 h 15 min 52 s
